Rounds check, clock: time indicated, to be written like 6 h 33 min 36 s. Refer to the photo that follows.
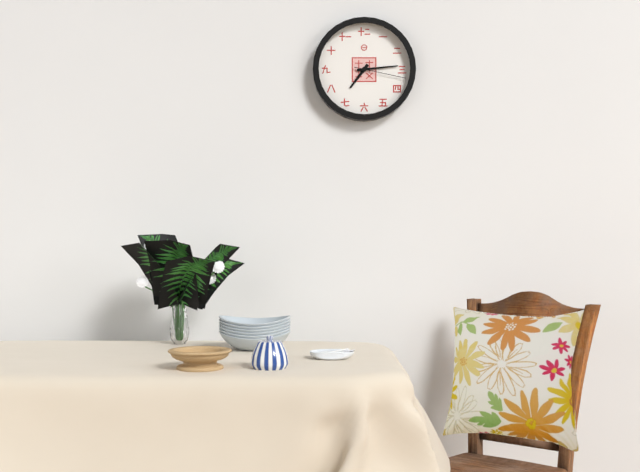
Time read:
7 h 14 min 17 s
